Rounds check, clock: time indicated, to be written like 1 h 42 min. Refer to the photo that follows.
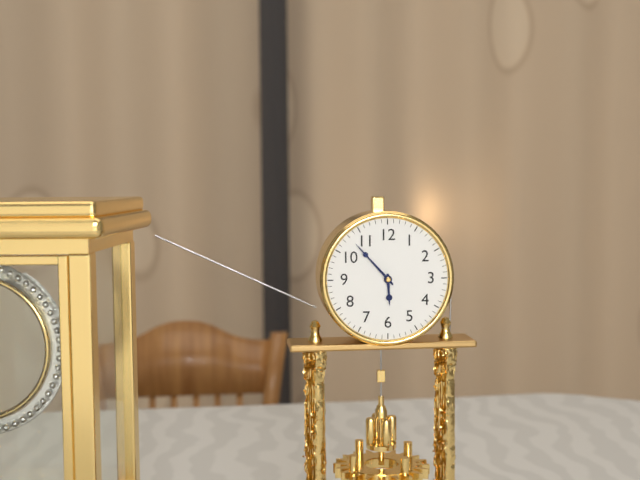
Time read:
5 h 53 min
